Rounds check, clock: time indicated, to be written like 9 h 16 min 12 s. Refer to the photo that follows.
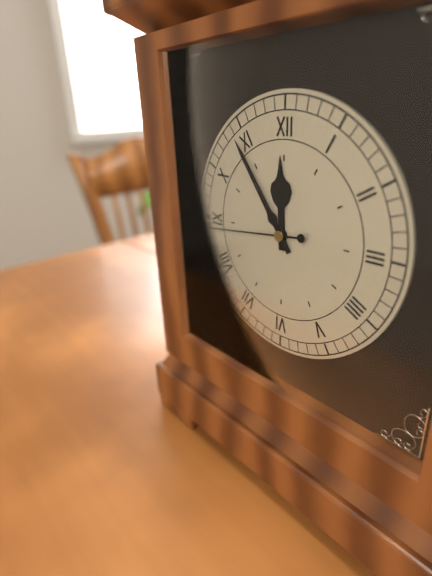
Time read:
11 h 54 min 44 s
